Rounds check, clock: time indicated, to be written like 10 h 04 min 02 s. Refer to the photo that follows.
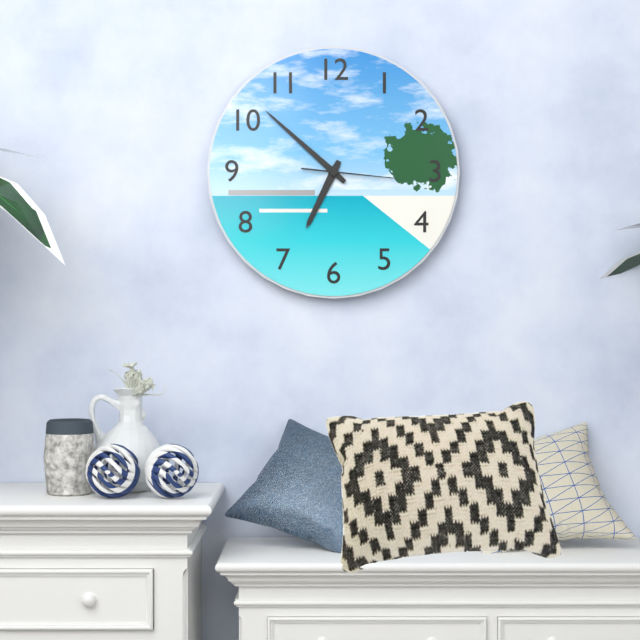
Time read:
6 h 52 min 16 s
